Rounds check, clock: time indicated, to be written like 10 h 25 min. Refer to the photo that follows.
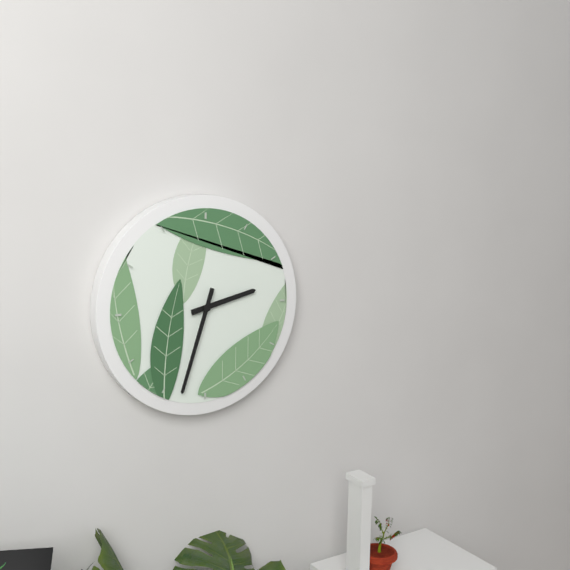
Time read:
2 h 33 min
